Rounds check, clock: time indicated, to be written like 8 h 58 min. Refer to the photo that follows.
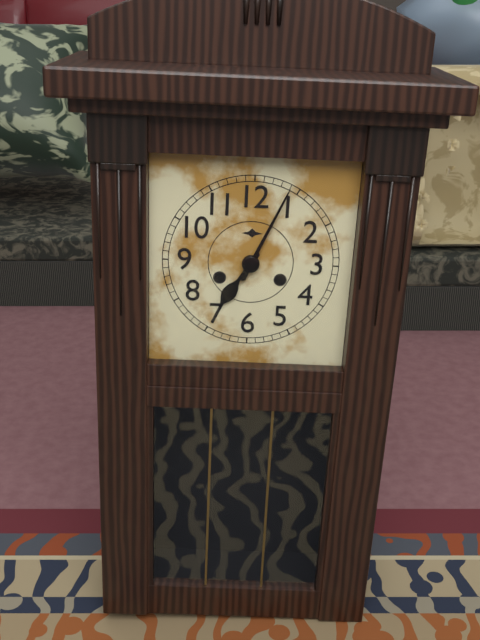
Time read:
7 h 04 min
